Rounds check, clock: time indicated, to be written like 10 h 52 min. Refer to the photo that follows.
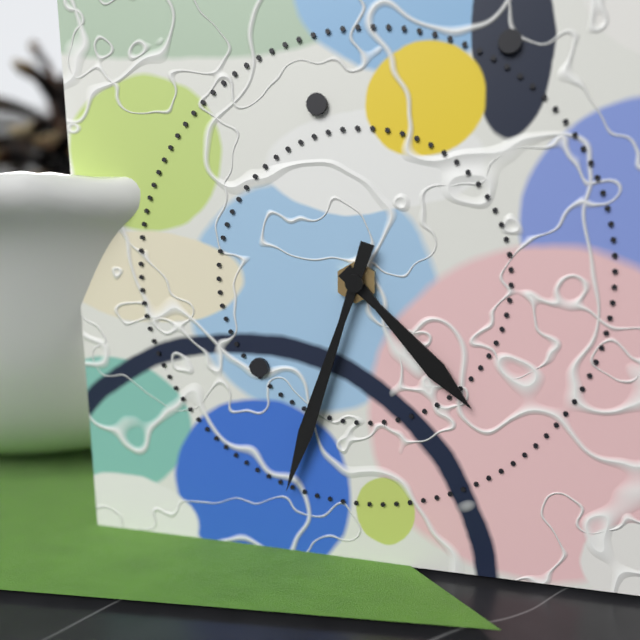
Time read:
4 h 33 min
